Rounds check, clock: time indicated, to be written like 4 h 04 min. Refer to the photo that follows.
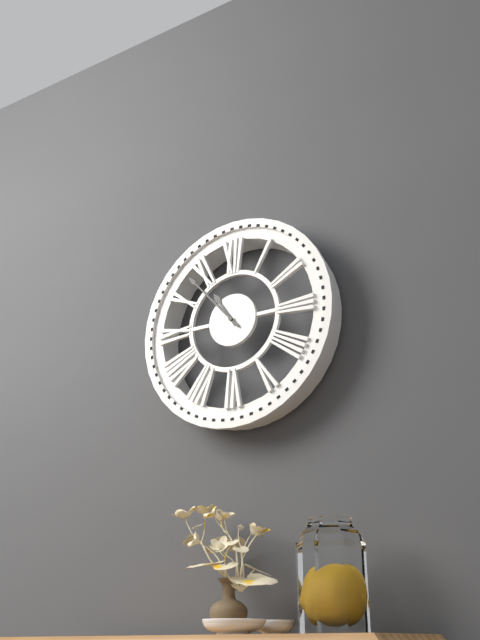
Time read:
10 h 53 min
